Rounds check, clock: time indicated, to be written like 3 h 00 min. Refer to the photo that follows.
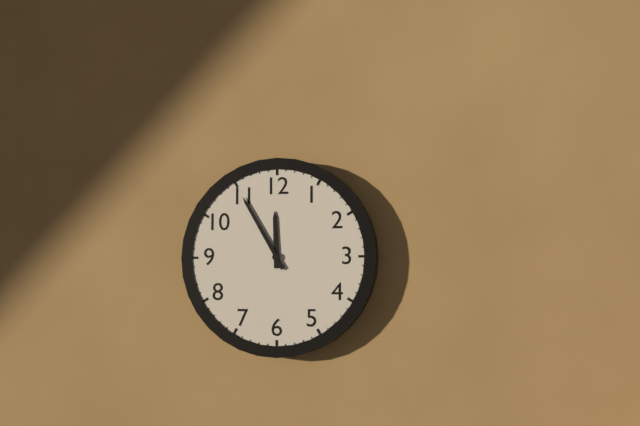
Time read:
11 h 55 min
